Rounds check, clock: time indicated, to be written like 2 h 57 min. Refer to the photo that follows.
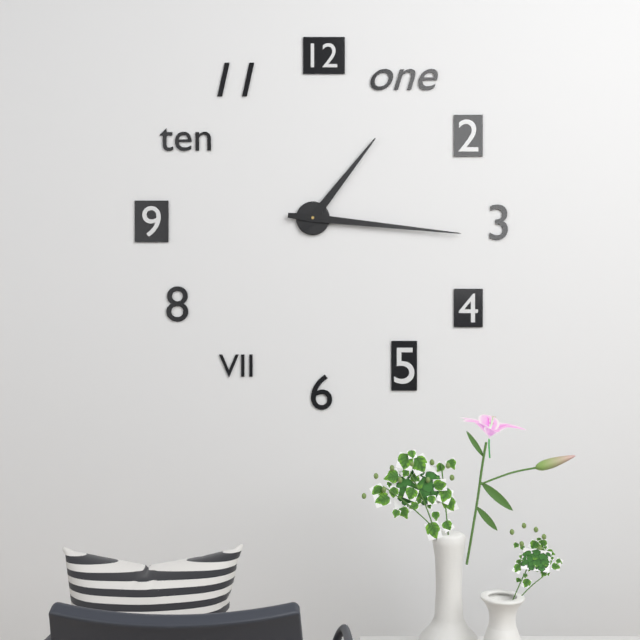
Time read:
1 h 16 min
